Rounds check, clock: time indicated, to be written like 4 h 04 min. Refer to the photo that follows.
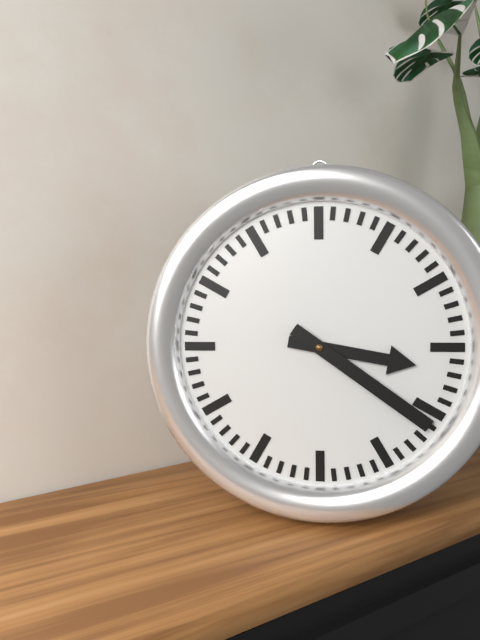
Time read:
3 h 21 min
